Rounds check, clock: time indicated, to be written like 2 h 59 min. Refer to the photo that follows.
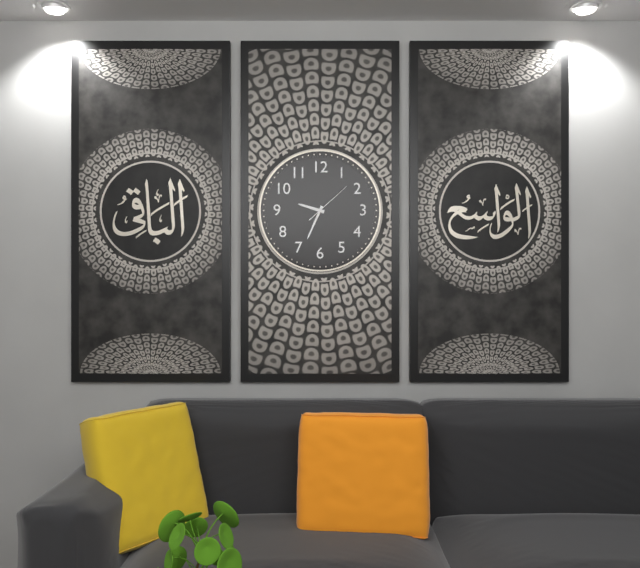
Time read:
9 h 34 min
